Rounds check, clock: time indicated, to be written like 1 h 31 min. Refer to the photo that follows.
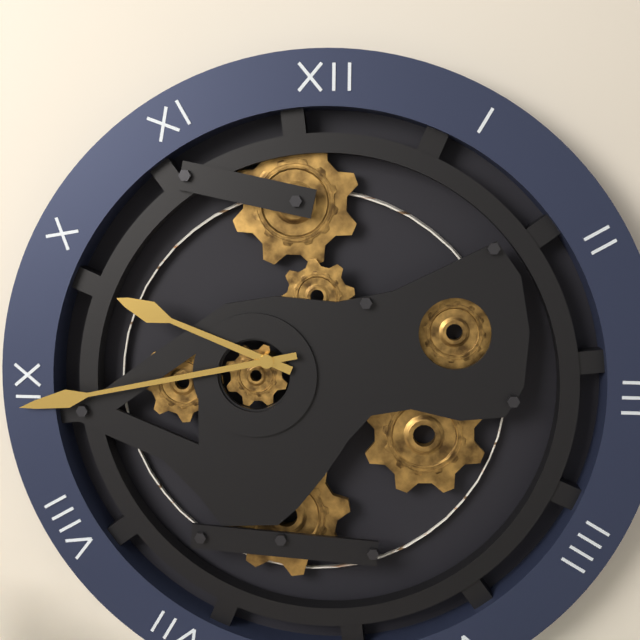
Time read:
9 h 43 min
